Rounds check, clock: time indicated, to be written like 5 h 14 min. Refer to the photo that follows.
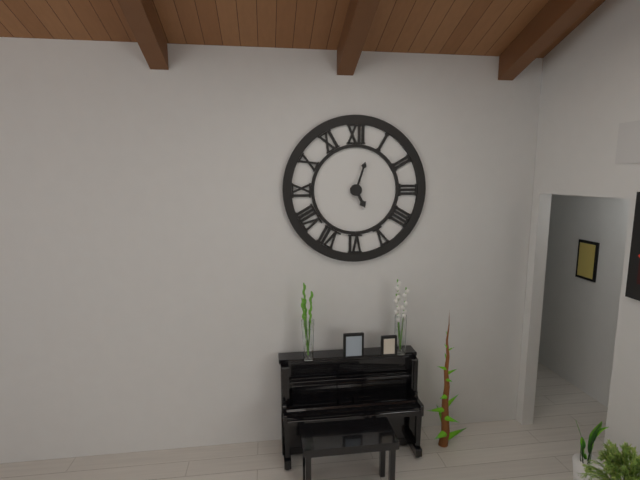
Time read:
5 h 03 min
